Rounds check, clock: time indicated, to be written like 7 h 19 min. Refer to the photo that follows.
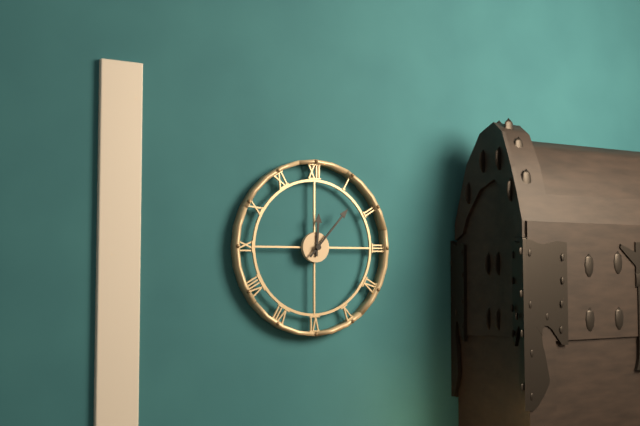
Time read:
12 h 07 min
